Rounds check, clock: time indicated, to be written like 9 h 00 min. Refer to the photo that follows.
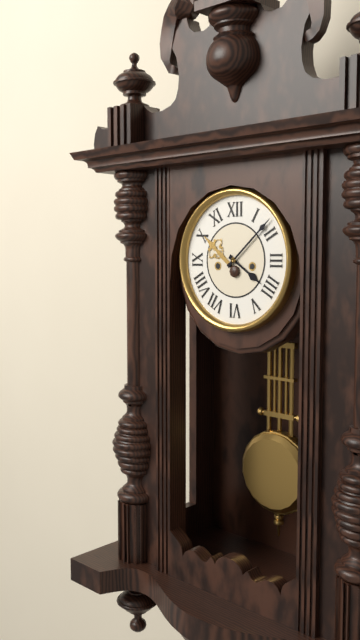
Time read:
4 h 08 min
